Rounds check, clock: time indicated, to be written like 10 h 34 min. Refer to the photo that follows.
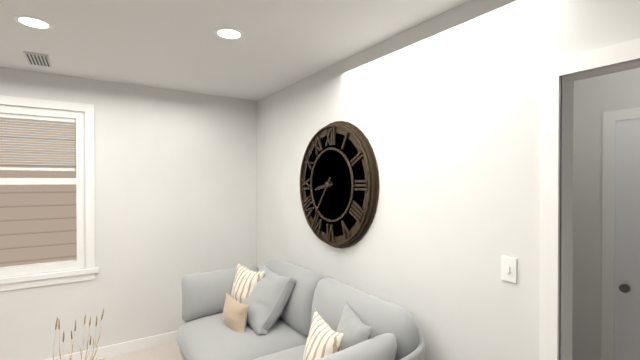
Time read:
8 h 36 min
